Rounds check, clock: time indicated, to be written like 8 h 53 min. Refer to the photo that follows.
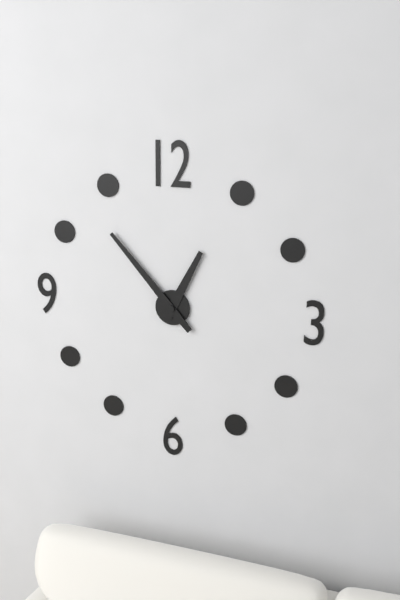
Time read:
12 h 53 min
